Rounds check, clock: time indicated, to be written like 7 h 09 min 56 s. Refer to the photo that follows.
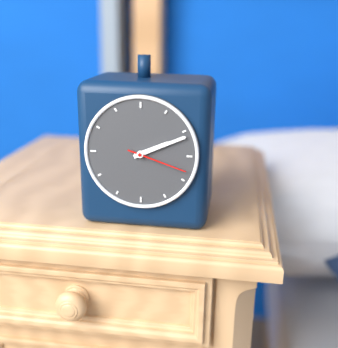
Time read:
2 h 11 min 18 s
